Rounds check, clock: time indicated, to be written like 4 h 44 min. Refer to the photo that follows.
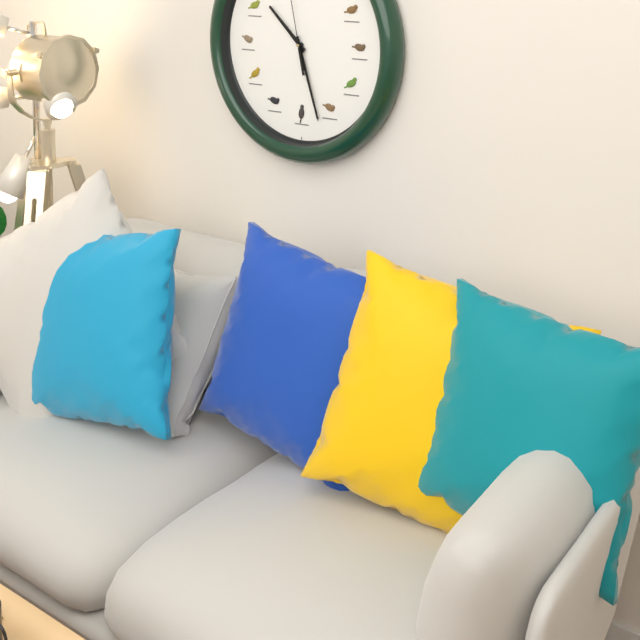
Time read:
10 h 27 min
